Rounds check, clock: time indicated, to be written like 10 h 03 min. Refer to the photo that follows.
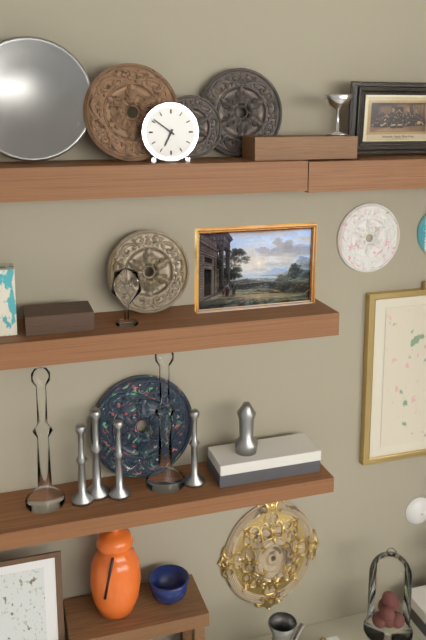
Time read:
6 h 51 min
